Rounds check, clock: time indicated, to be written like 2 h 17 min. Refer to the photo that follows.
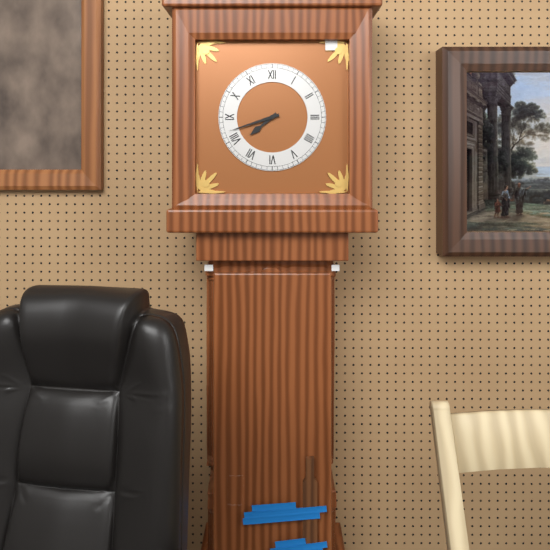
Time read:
7 h 42 min
